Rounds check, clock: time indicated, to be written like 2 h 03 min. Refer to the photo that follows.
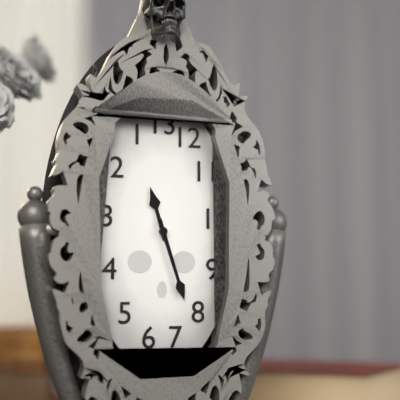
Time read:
11 h 27 min
